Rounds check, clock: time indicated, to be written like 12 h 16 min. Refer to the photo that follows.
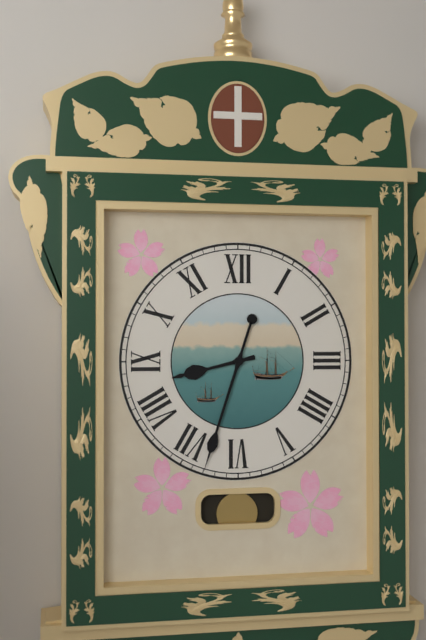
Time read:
8 h 33 min
